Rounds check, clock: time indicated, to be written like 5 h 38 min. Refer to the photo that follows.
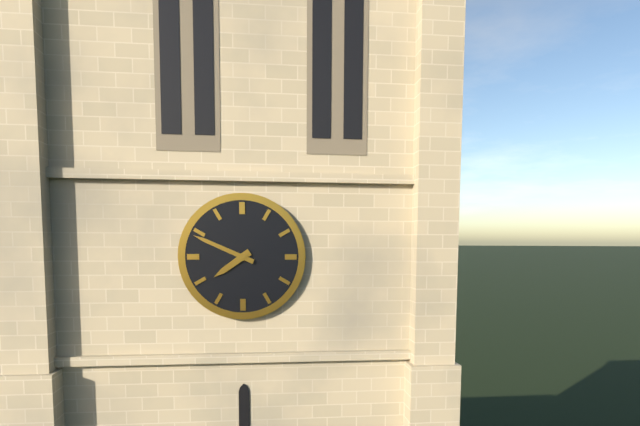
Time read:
7 h 49 min
